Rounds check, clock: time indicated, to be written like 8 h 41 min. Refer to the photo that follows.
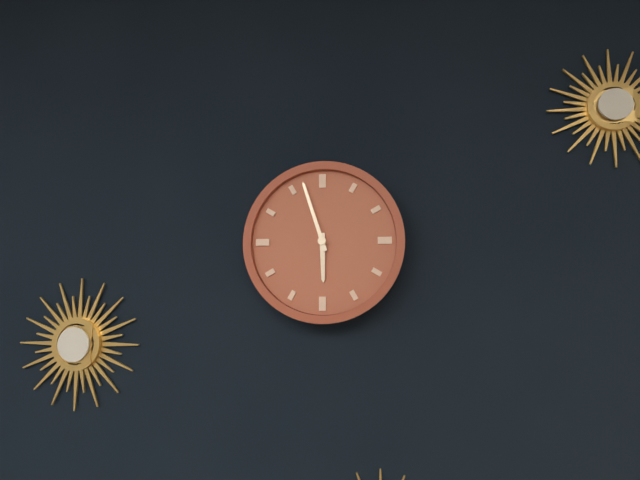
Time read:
5 h 57 min
